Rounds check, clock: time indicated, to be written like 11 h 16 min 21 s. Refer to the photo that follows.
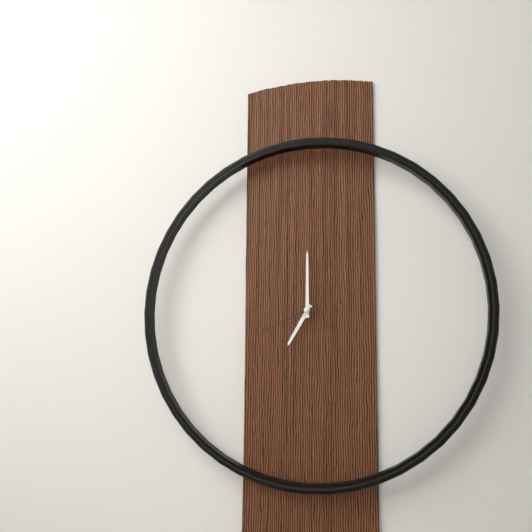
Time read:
7 h 00 min 41 s
